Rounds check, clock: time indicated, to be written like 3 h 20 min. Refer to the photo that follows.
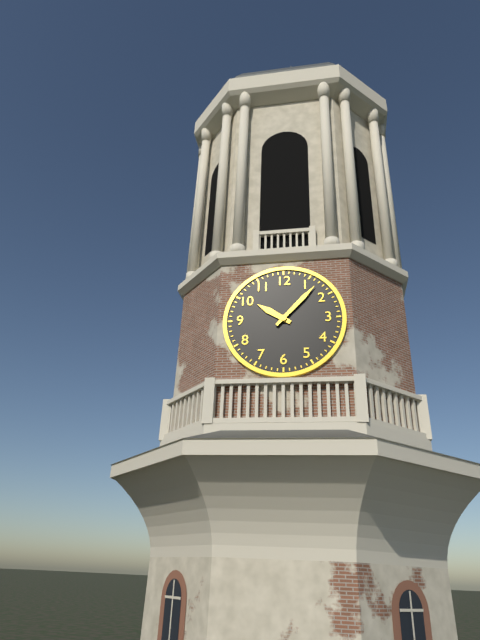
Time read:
10 h 07 min
